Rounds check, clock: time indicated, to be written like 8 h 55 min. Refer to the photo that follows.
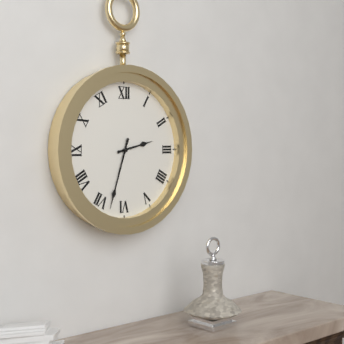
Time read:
2 h 33 min
